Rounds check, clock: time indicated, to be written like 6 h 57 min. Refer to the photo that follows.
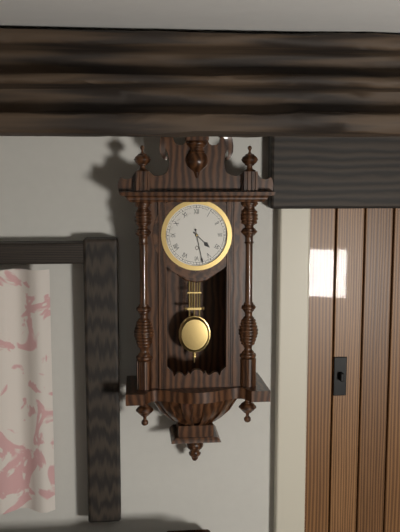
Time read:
4 h 28 min
